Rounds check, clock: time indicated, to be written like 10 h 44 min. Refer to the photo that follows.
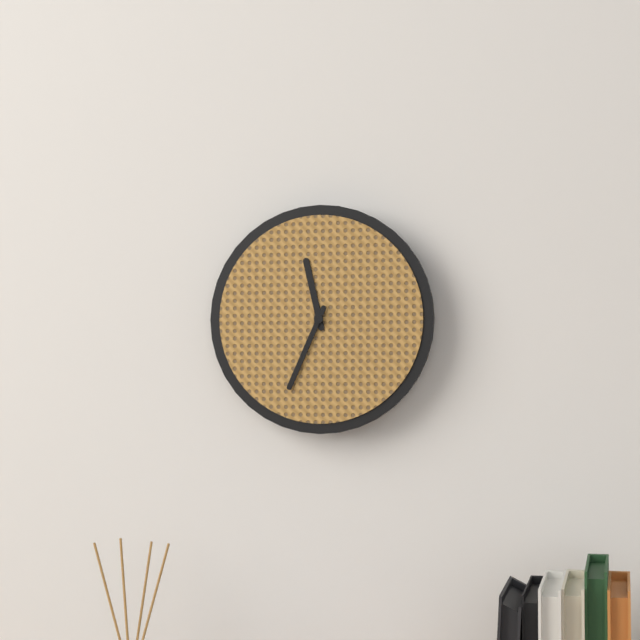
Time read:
11 h 34 min
